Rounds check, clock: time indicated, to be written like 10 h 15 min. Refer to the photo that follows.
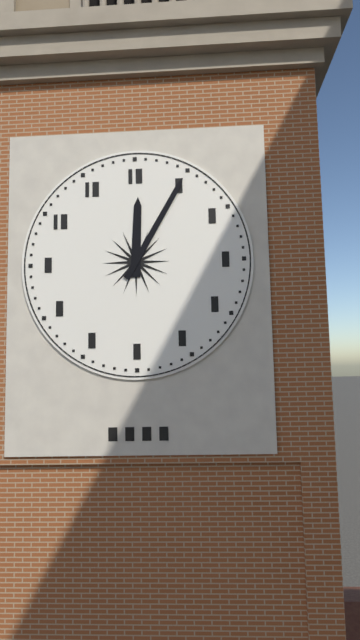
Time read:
12 h 05 min
